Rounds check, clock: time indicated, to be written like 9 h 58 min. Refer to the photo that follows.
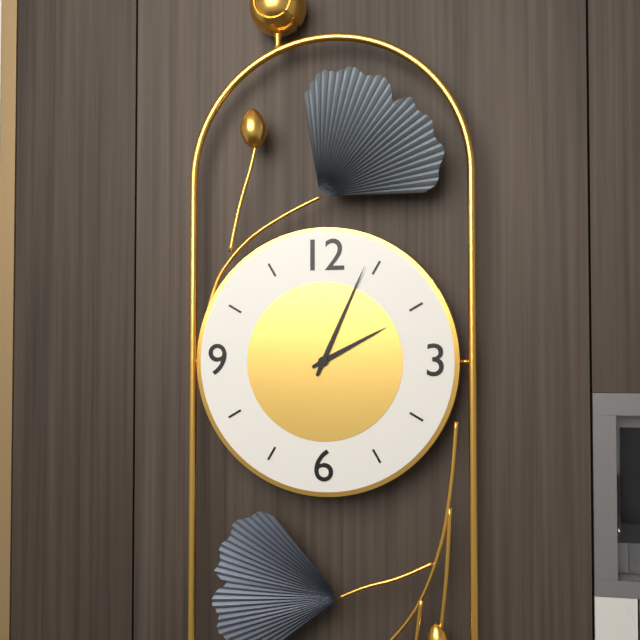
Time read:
2 h 04 min
